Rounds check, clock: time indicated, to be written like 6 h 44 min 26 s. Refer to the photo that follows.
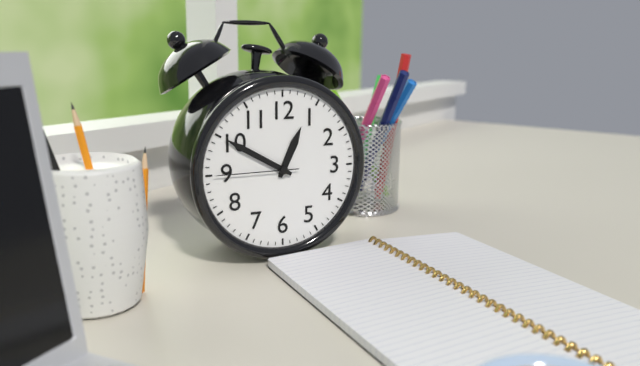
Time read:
12 h 50 min 45 s
